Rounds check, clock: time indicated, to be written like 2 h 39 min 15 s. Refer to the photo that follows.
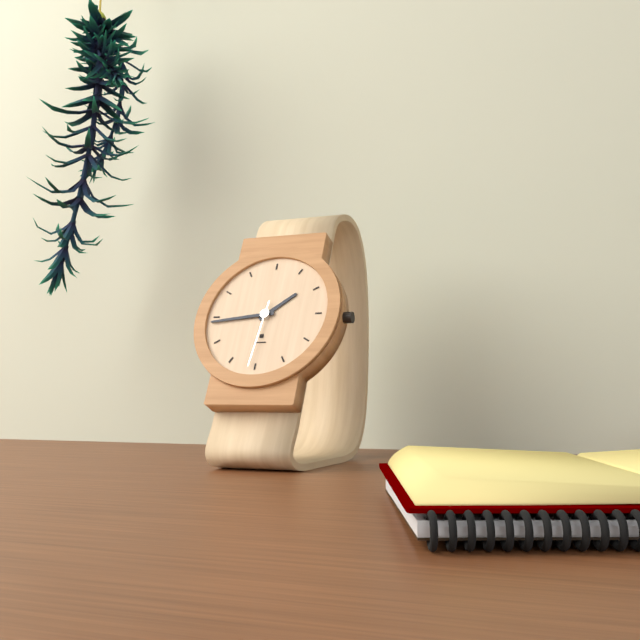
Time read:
1 h 44 min 31 s
